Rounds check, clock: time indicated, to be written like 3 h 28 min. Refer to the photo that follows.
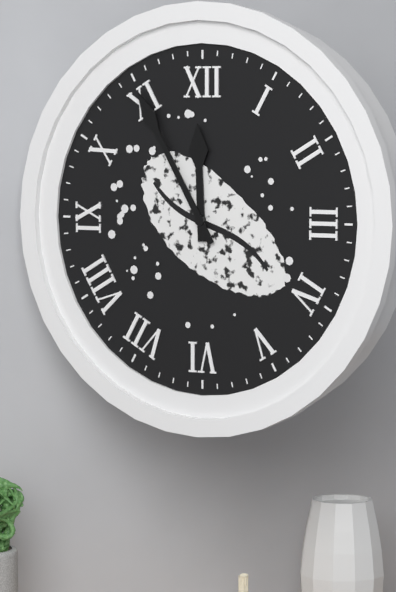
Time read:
11 h 55 min
